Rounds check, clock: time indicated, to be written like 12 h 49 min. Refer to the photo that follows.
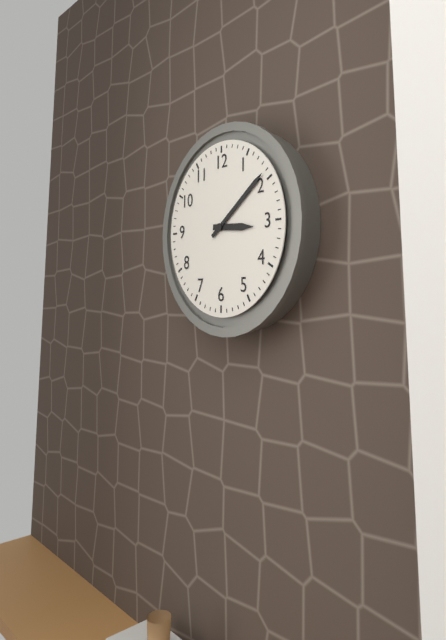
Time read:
3 h 09 min
